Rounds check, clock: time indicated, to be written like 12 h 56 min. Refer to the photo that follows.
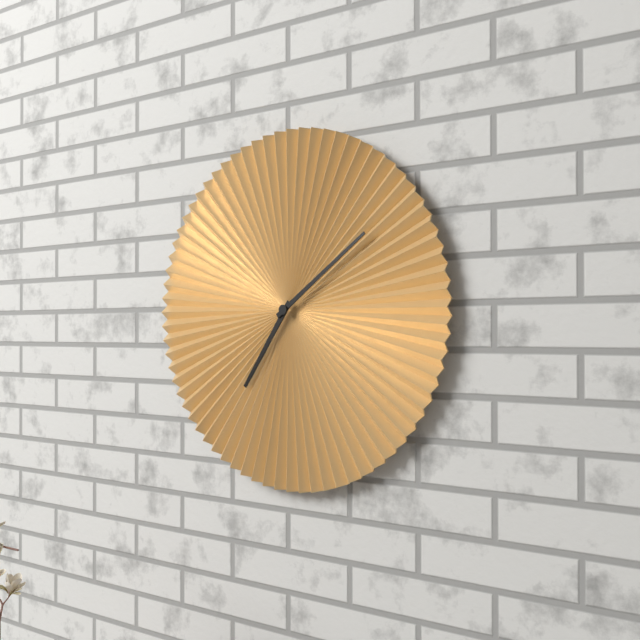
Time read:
7 h 09 min
